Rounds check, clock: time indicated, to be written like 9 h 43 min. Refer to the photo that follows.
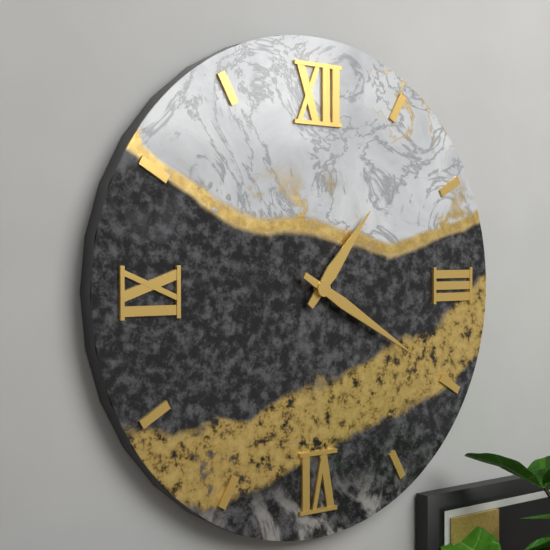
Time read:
1 h 20 min
